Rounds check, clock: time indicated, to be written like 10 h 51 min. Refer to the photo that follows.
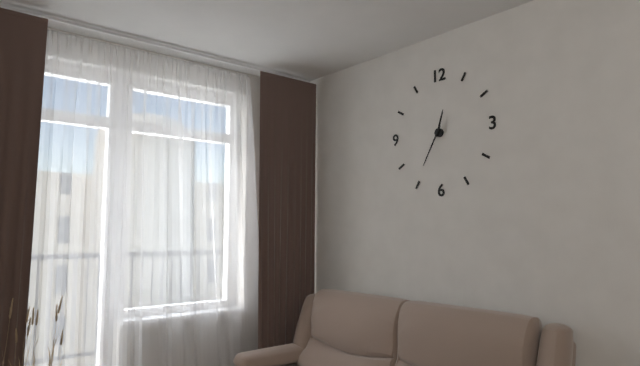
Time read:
12 h 35 min
